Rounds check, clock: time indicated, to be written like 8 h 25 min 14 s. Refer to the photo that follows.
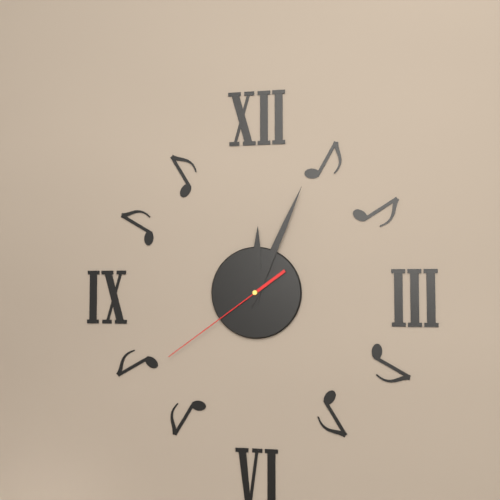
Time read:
12 h 04 min 39 s
